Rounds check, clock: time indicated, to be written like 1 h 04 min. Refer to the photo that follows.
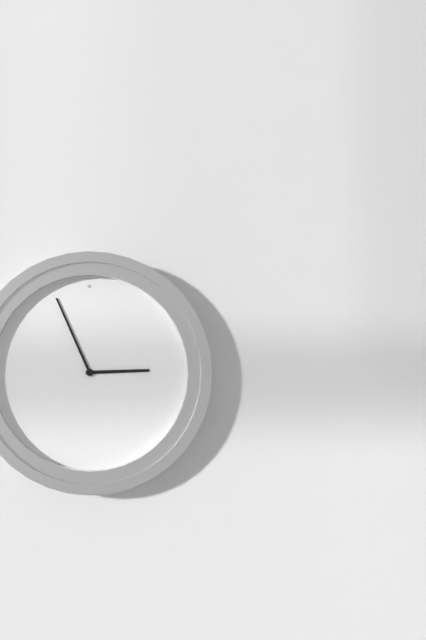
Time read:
2 h 56 min
